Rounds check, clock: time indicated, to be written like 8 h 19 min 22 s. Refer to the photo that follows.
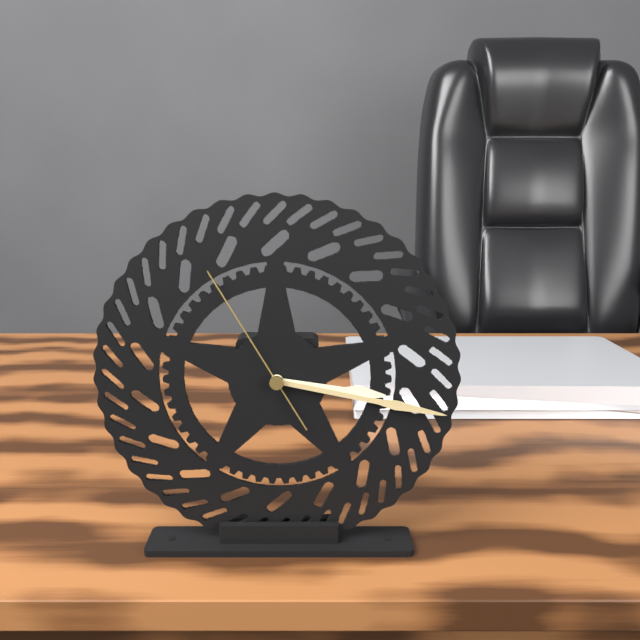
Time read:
3 h 17 min 55 s
